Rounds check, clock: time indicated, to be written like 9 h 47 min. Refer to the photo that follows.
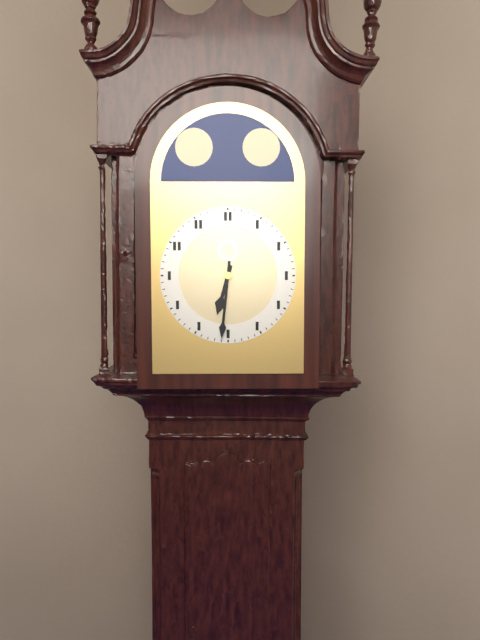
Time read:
6 h 31 min
